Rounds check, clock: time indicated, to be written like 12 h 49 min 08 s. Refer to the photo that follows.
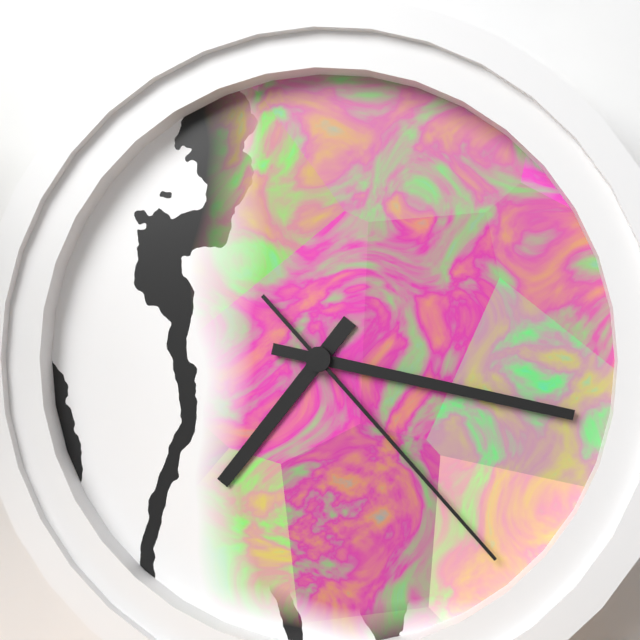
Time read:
7 h 17 min 23 s
